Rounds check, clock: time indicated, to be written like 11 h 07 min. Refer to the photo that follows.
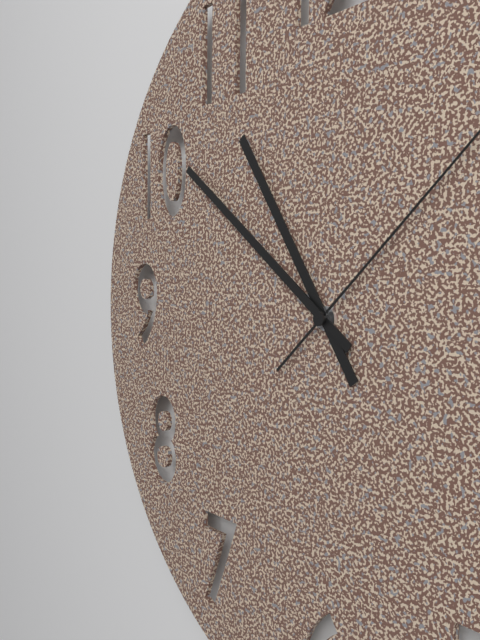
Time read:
10 h 51 min
